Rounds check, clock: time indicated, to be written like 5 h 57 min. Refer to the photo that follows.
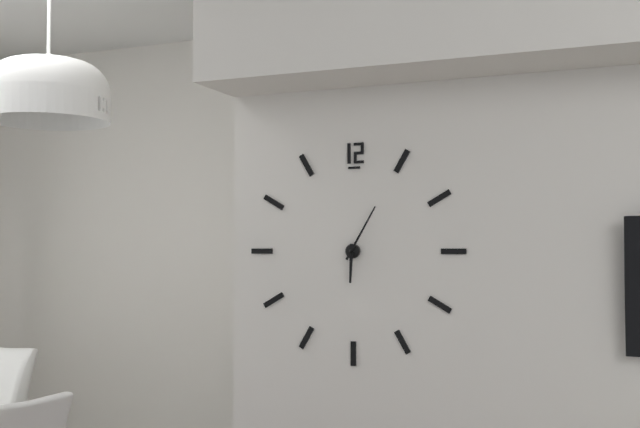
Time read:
6 h 05 min
